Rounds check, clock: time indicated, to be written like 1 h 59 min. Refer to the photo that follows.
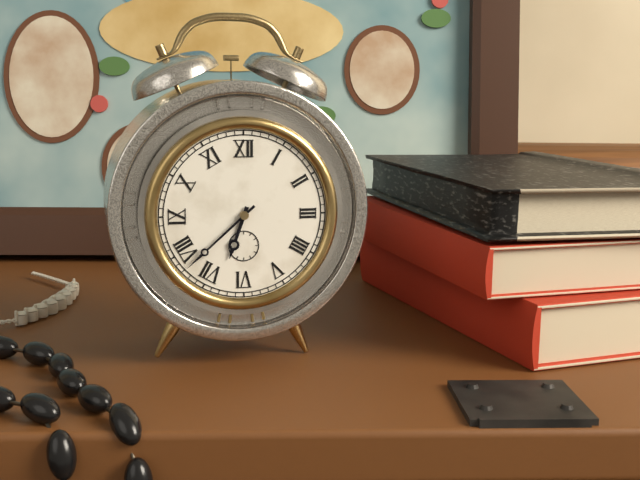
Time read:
6 h 38 min
